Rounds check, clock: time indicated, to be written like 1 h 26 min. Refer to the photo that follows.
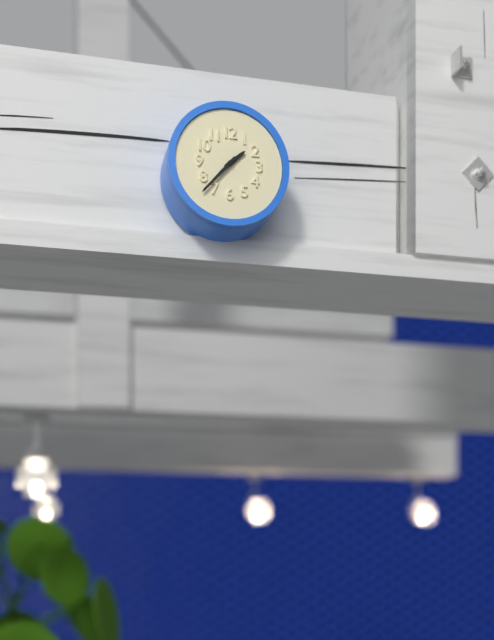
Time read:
1 h 37 min
